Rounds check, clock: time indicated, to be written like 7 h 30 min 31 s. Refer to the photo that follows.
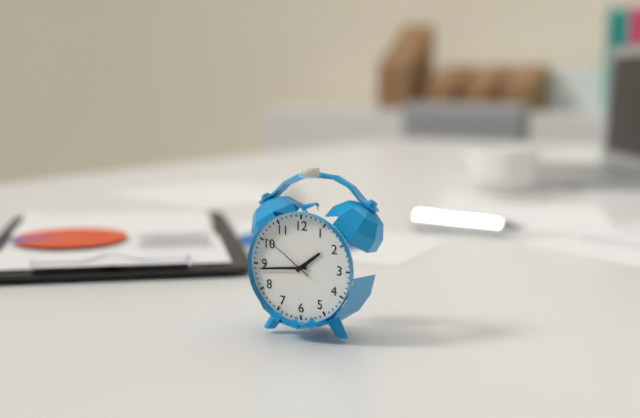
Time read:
1 h 44 min 51 s
